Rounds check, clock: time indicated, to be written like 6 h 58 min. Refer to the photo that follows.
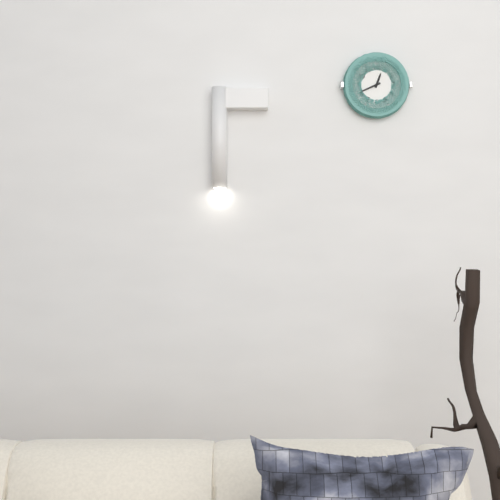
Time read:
12 h 41 min
